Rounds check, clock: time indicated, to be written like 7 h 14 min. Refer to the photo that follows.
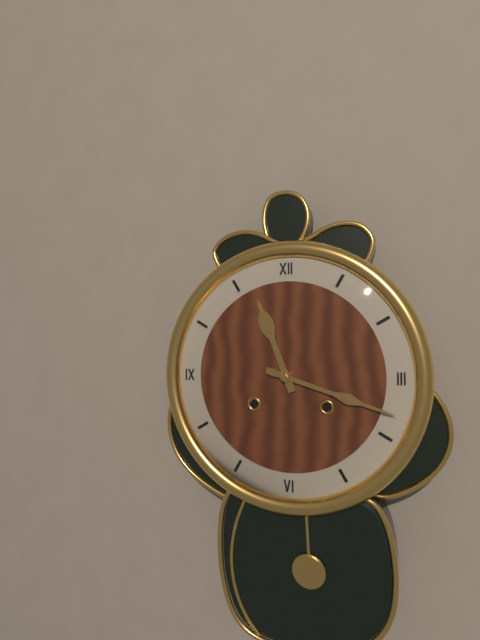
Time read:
11 h 18 min
